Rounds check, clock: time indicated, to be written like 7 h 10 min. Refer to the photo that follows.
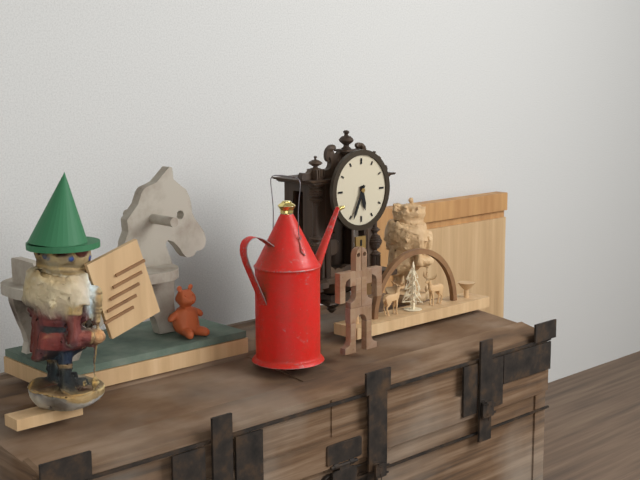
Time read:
5 h 34 min
